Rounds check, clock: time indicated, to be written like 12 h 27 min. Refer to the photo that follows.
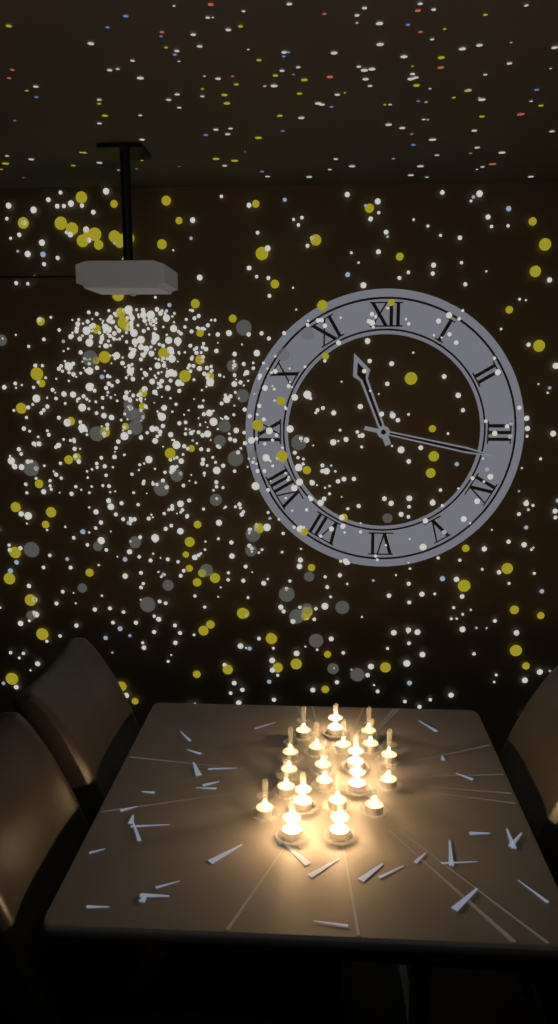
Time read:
11 h 17 min
